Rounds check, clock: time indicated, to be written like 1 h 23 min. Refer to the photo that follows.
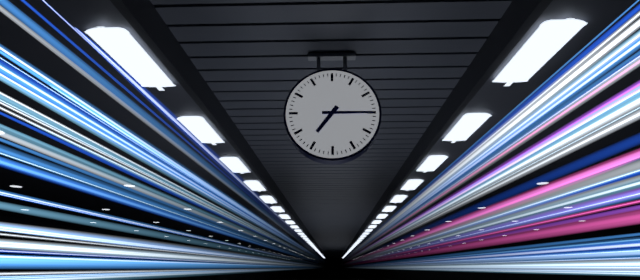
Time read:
7 h 15 min
